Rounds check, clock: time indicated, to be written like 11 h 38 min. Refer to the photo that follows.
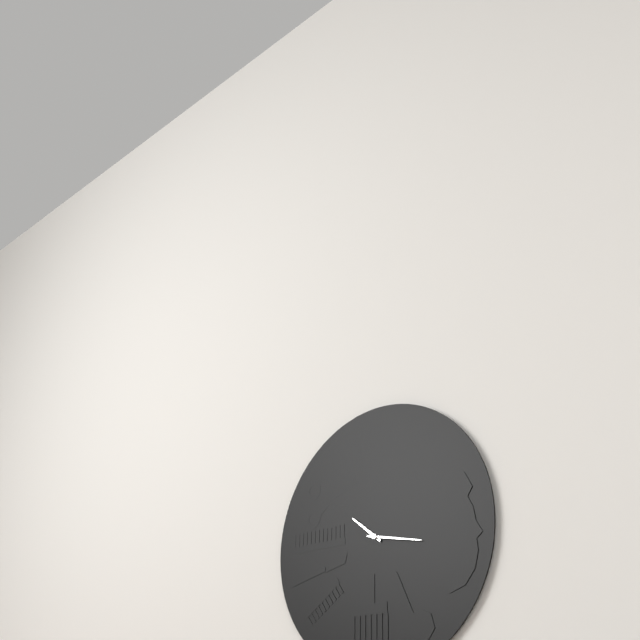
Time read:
10 h 17 min
